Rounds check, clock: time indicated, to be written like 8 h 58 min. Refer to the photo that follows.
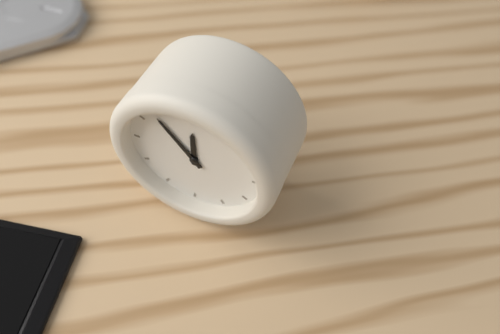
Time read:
11 h 53 min
